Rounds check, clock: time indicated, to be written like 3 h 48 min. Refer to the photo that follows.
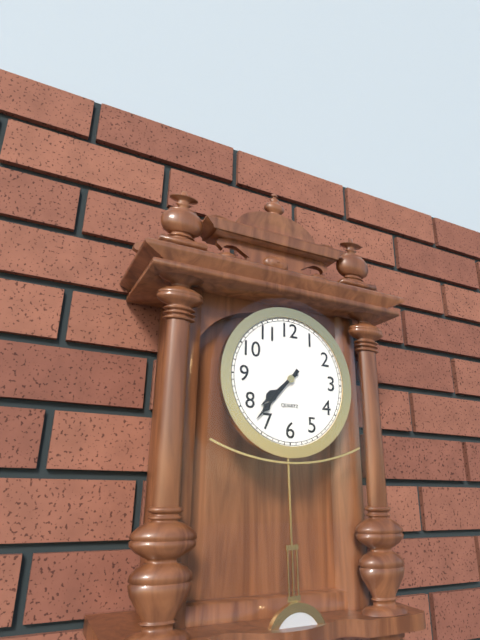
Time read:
7 h 37 min
